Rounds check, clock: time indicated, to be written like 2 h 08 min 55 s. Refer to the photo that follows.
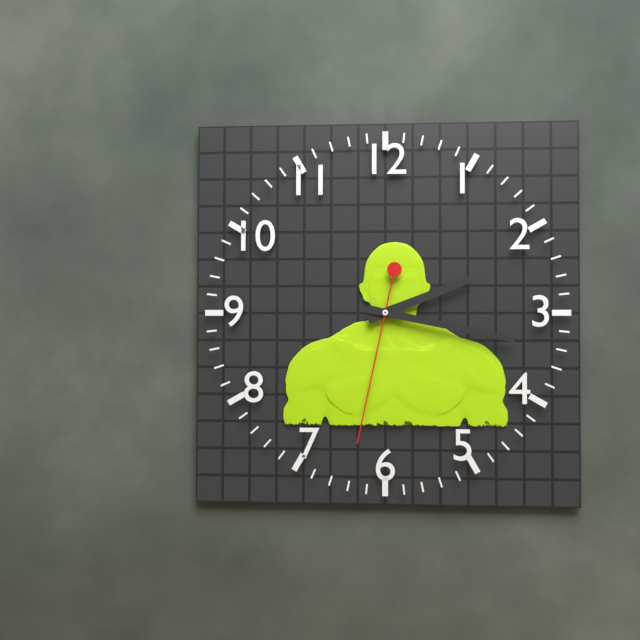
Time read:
2 h 17 min 32 s
